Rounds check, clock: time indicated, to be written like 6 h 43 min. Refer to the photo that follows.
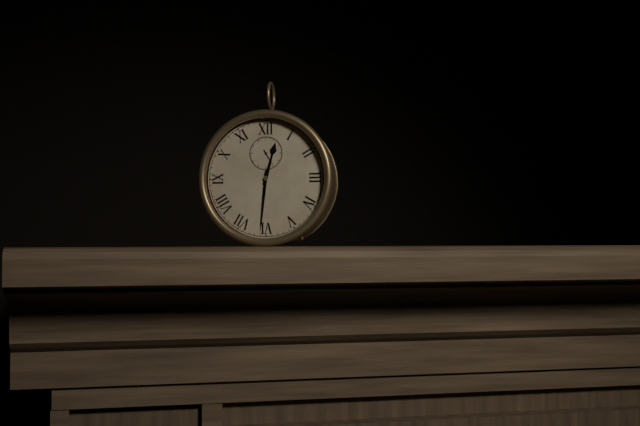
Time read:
12 h 31 min
